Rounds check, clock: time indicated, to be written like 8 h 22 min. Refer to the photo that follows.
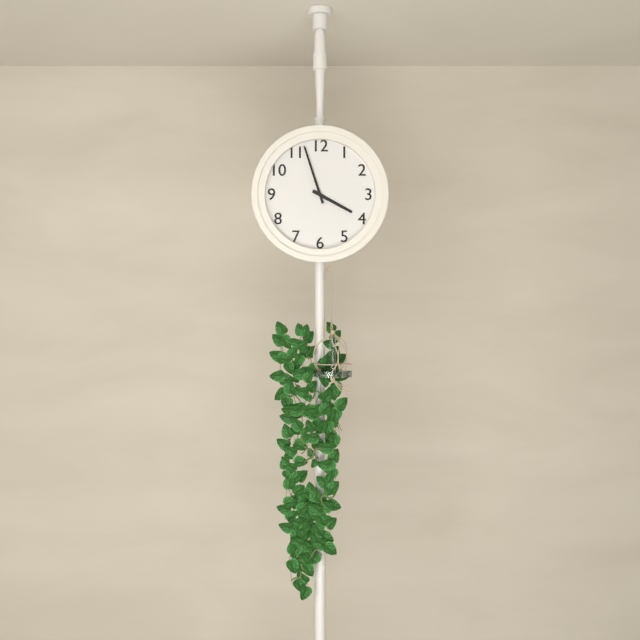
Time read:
3 h 57 min
